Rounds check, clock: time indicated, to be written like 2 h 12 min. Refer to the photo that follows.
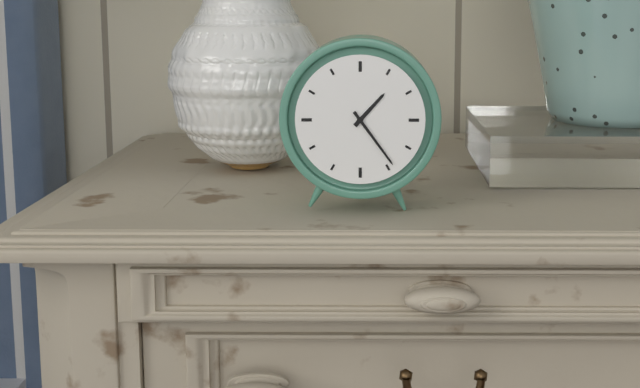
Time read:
1 h 24 min
